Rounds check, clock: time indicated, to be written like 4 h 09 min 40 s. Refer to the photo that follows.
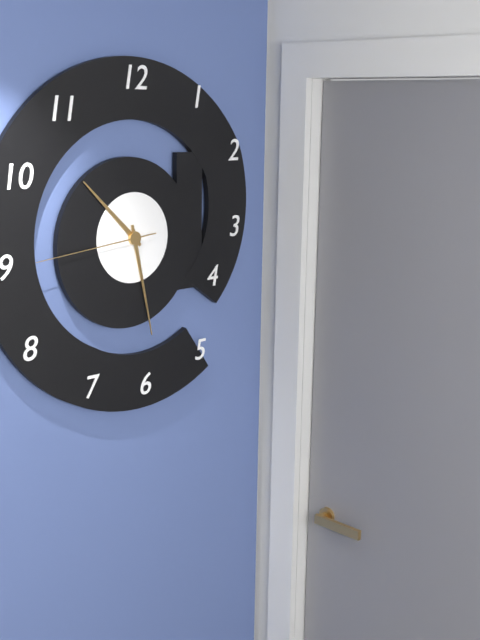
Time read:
10 h 28 min 44 s
